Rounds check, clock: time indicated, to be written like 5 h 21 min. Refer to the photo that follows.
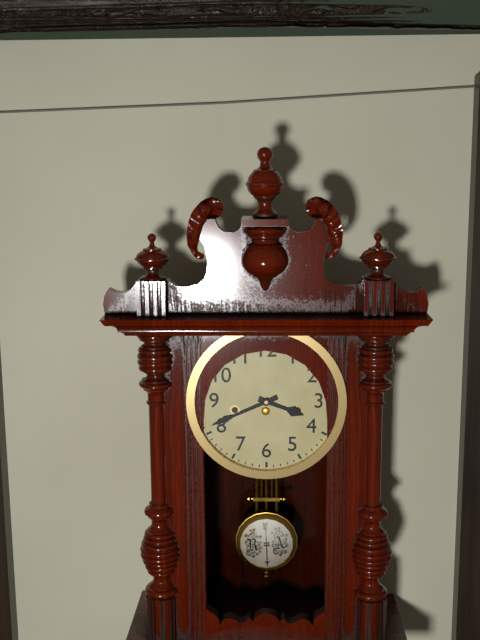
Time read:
3 h 41 min
